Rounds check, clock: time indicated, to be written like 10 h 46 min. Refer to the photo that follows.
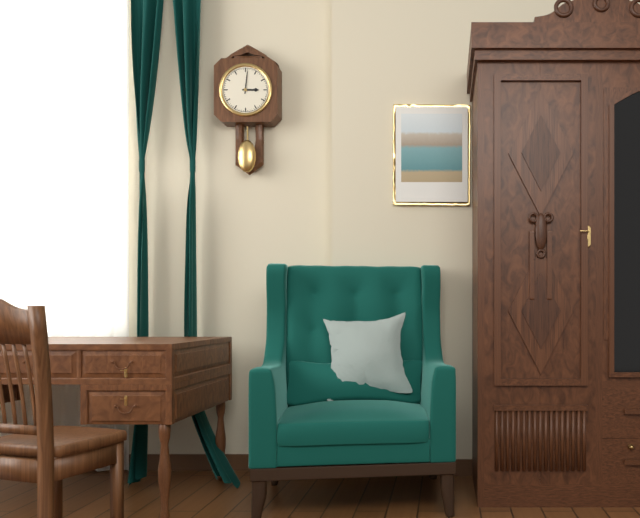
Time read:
3 h 01 min
